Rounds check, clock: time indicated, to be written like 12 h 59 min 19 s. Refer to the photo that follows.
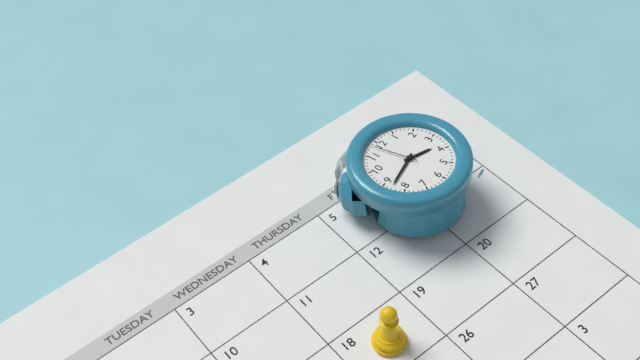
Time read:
3 h 43 min 58 s
